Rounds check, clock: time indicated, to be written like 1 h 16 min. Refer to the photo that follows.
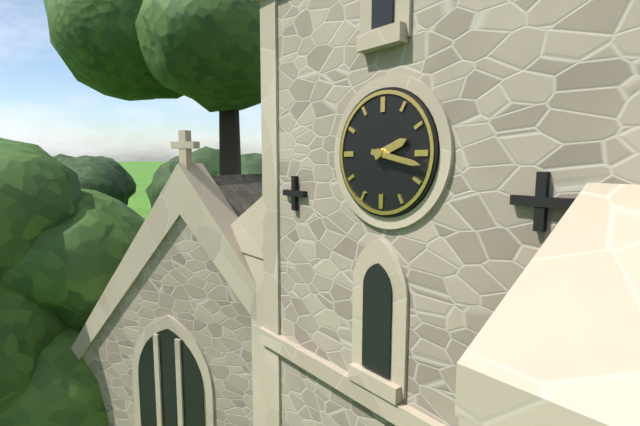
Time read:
2 h 17 min
